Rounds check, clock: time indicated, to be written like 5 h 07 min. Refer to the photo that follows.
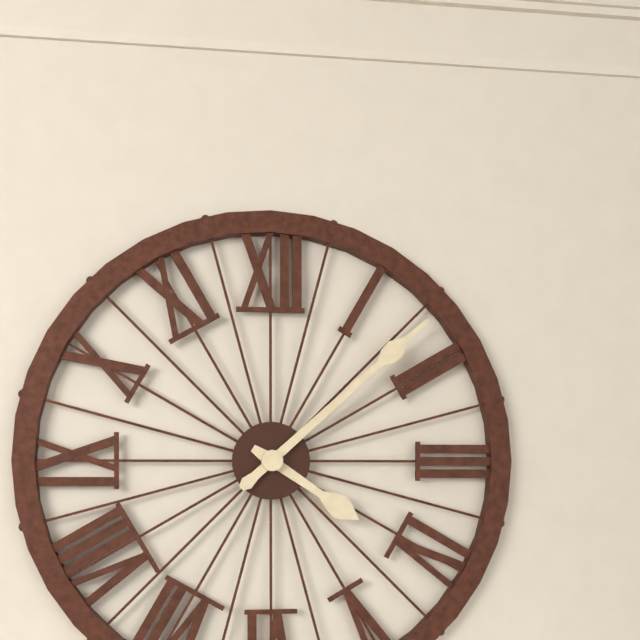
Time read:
4 h 08 min
